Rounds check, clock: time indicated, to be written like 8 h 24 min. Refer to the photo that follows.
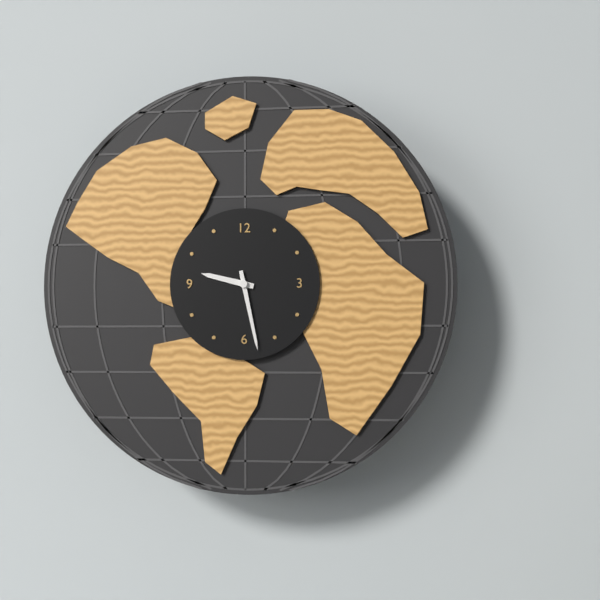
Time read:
9 h 28 min
